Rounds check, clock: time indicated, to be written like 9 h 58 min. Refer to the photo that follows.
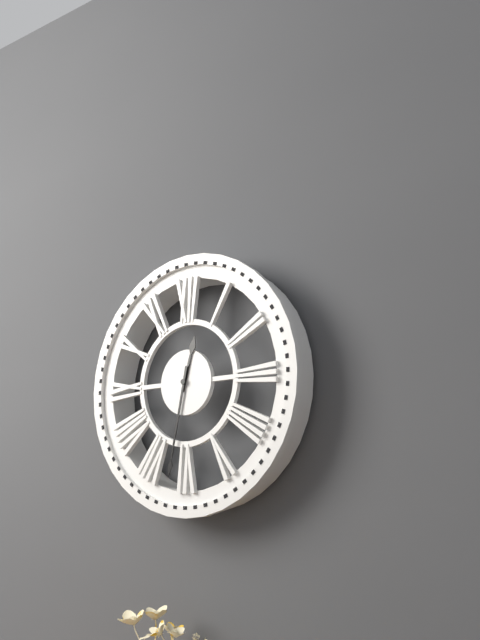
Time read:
12 h 32 min
